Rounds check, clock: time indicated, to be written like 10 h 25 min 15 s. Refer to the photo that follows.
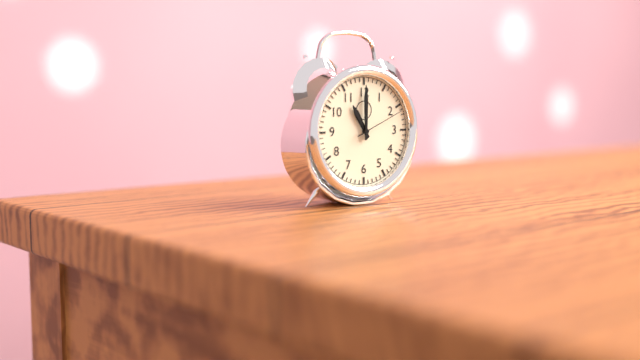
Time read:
11 h 00 min 11 s
